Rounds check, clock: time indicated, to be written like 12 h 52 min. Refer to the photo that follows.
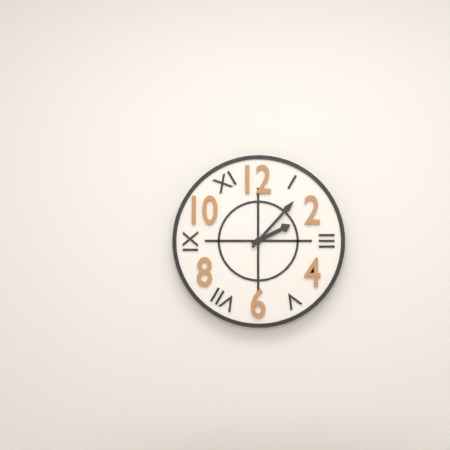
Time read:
2 h 07 min
